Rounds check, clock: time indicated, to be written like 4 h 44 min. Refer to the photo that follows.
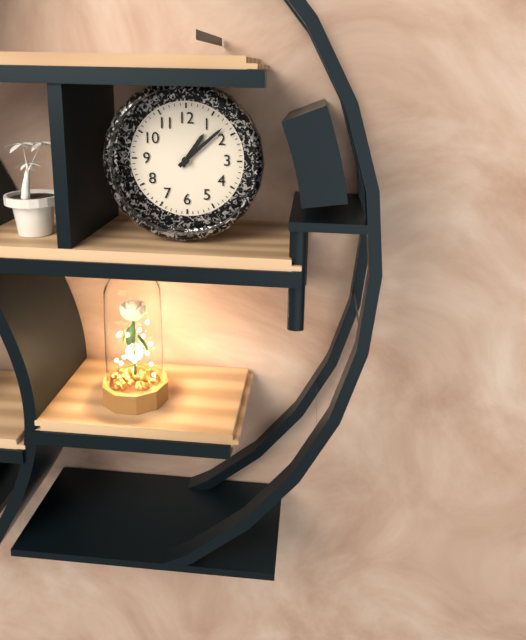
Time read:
1 h 08 min
